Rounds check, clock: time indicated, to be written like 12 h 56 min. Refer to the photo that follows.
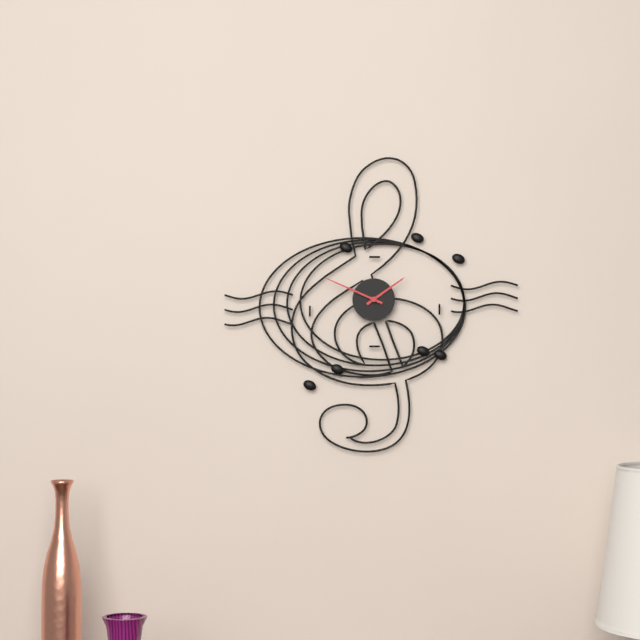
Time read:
1 h 49 min
